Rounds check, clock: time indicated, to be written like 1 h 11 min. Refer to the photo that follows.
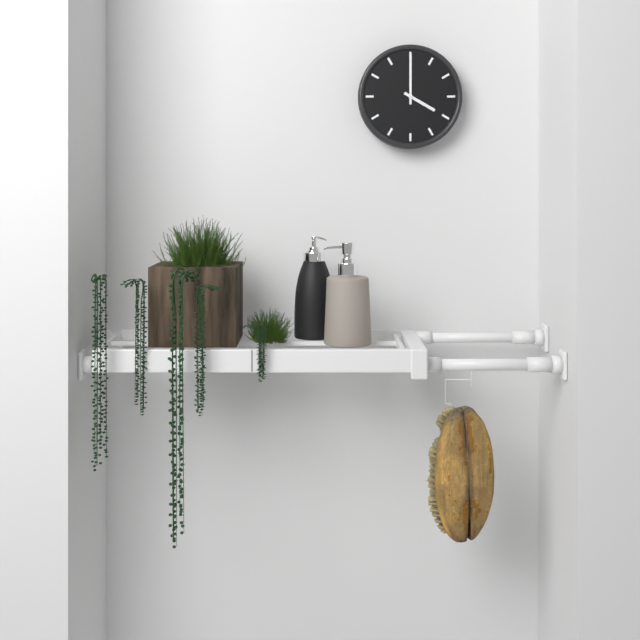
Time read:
4 h 00 min
